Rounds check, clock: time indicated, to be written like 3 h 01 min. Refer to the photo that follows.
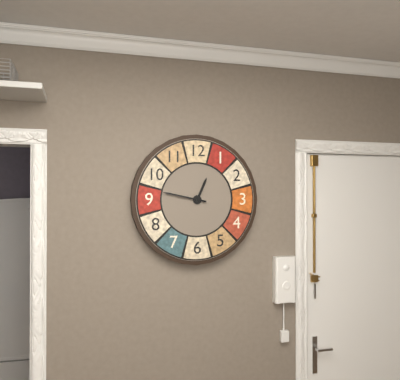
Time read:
12 h 47 min
